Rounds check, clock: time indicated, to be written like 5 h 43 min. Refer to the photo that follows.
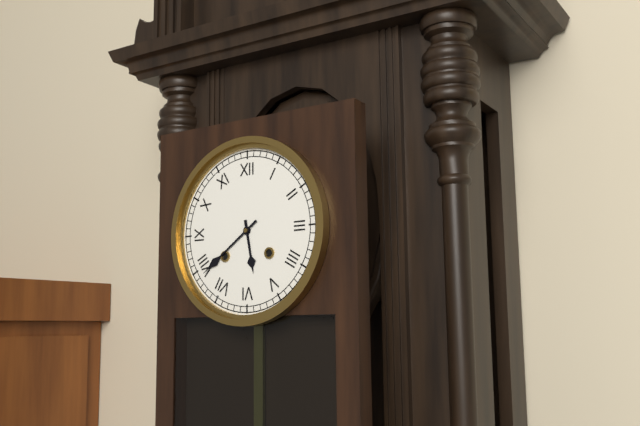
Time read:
5 h 39 min
